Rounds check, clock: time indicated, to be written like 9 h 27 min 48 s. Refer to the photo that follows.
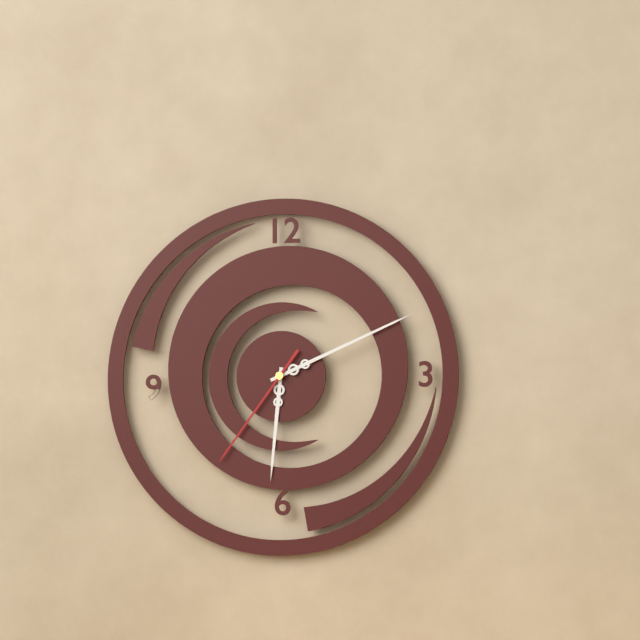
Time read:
6 h 11 min 36 s
